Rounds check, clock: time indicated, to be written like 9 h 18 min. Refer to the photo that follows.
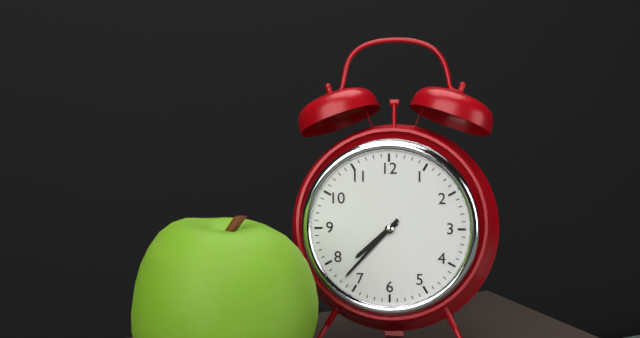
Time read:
7 h 37 min
